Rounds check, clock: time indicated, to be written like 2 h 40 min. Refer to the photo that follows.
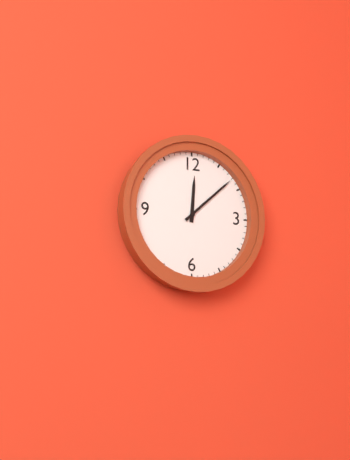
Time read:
12 h 08 min
